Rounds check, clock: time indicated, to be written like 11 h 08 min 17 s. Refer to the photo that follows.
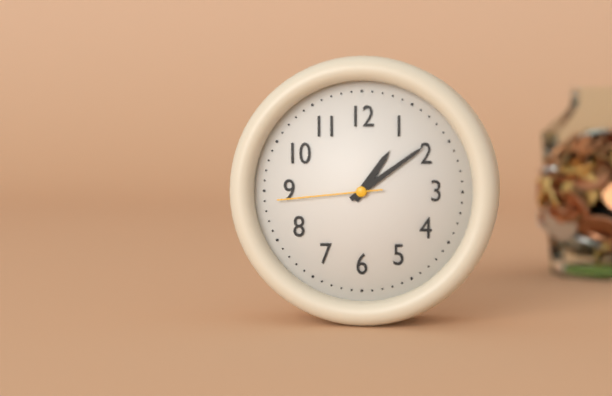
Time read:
1 h 09 min 44 s
